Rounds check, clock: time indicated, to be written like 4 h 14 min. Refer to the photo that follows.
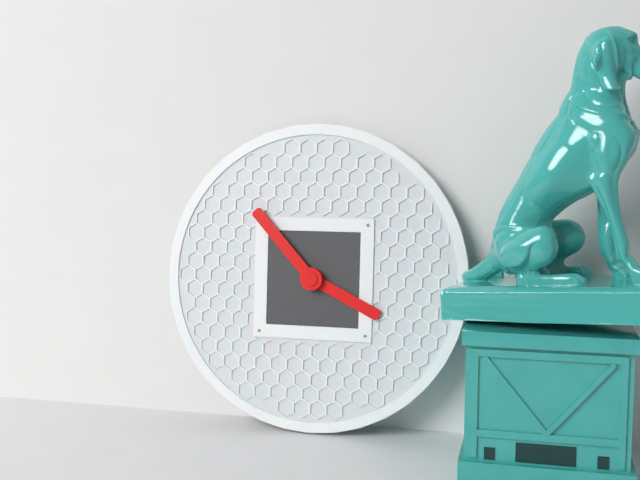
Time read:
3 h 53 min
